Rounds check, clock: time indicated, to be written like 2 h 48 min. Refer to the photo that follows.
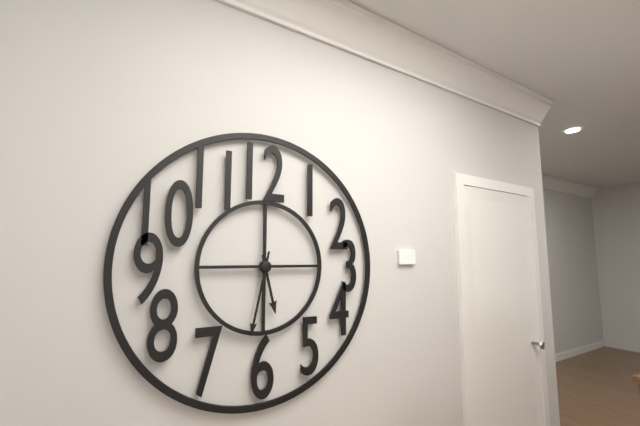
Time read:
5 h 32 min
